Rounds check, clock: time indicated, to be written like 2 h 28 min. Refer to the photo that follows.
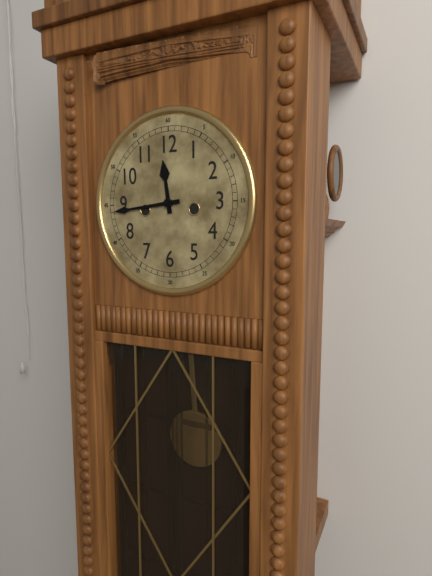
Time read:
11 h 44 min
